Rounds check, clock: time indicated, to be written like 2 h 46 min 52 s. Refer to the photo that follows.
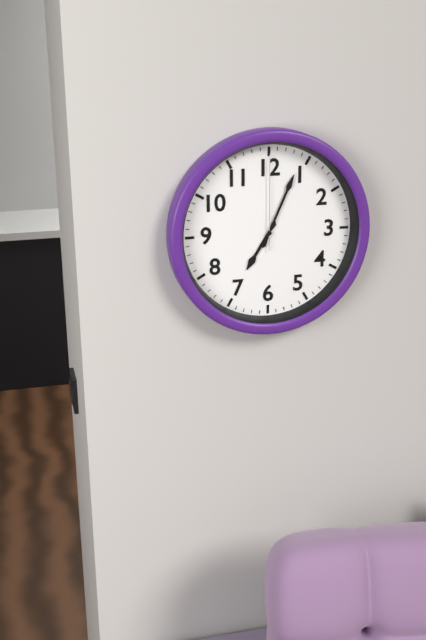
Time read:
7 h 04 min 00 s
